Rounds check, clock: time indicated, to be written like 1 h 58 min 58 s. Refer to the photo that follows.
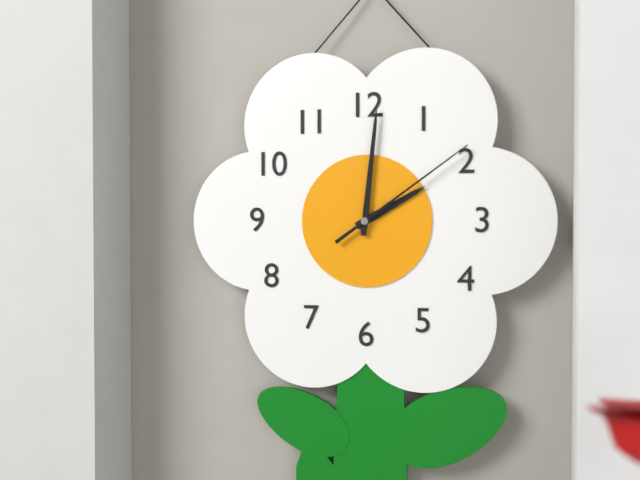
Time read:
2 h 01 min 09 s
